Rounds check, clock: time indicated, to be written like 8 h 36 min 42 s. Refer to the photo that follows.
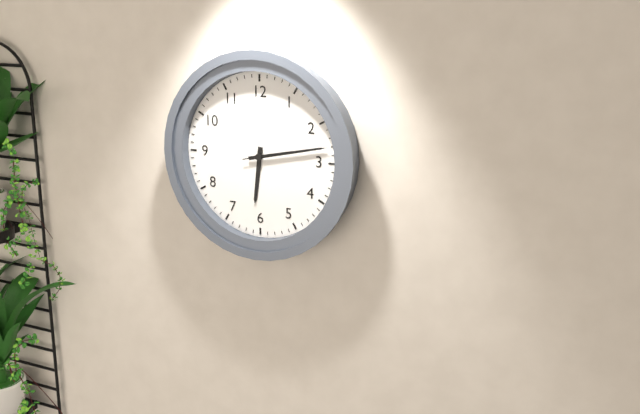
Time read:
6 h 13 min 13 s
